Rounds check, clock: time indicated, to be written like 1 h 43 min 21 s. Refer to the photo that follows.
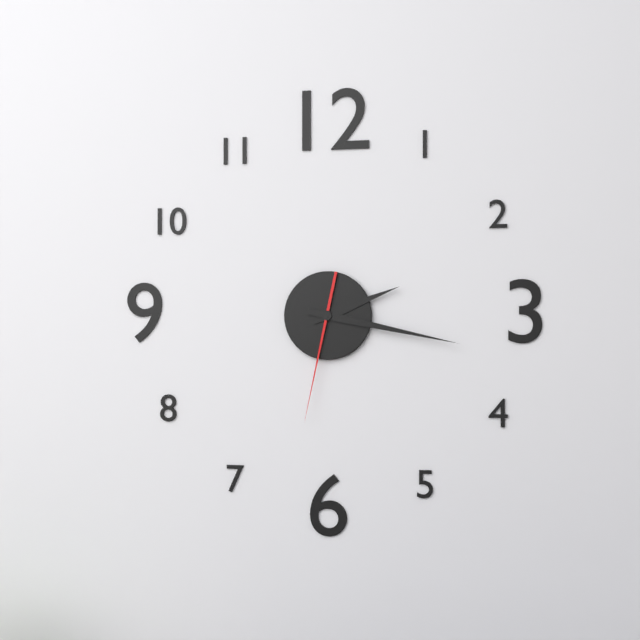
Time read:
2 h 17 min 32 s
